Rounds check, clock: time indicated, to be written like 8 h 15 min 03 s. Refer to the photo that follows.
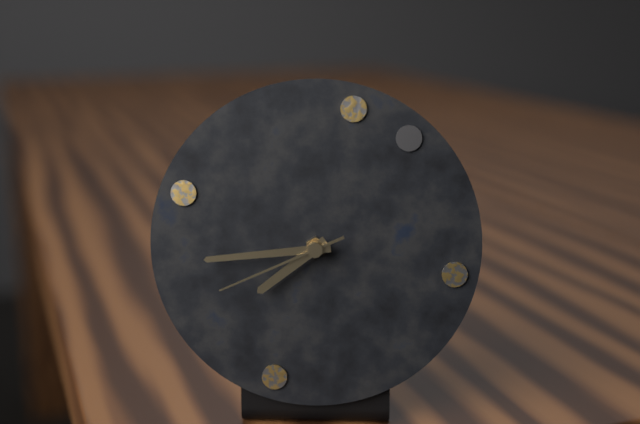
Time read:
7 h 44 min 41 s
